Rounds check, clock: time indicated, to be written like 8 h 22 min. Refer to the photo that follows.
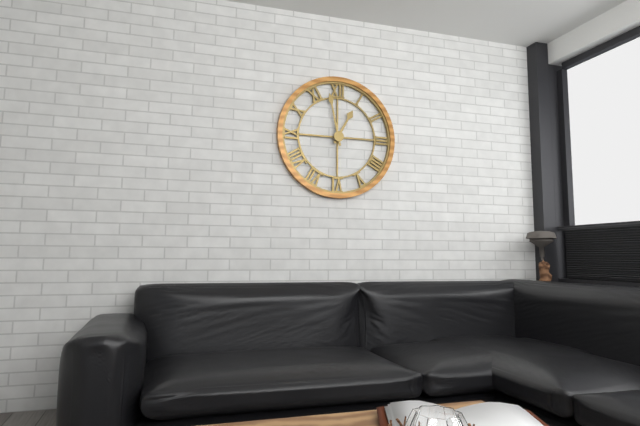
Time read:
12 h 58 min
